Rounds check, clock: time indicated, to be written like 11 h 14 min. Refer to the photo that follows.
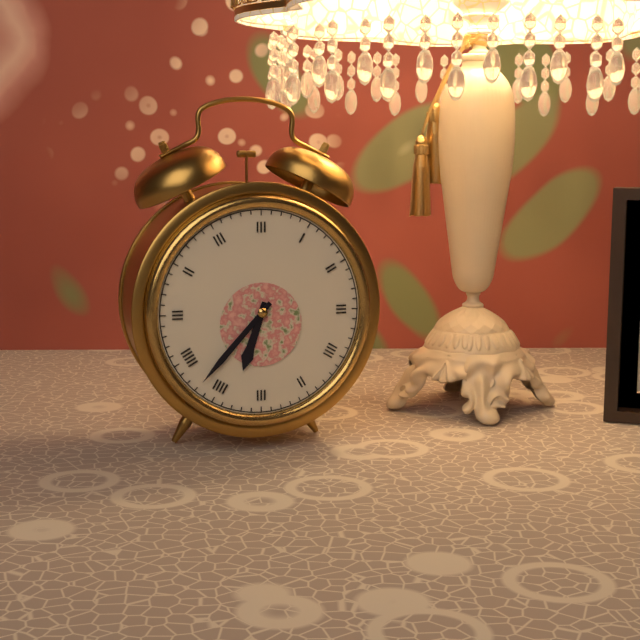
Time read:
6 h 37 min
